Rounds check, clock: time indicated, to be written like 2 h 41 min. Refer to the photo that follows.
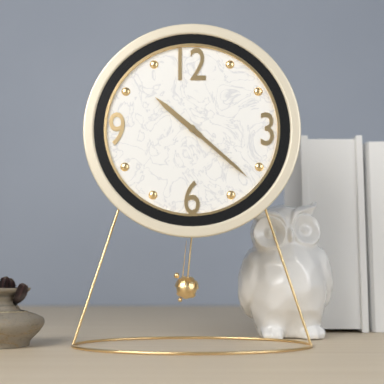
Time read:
10 h 22 min
